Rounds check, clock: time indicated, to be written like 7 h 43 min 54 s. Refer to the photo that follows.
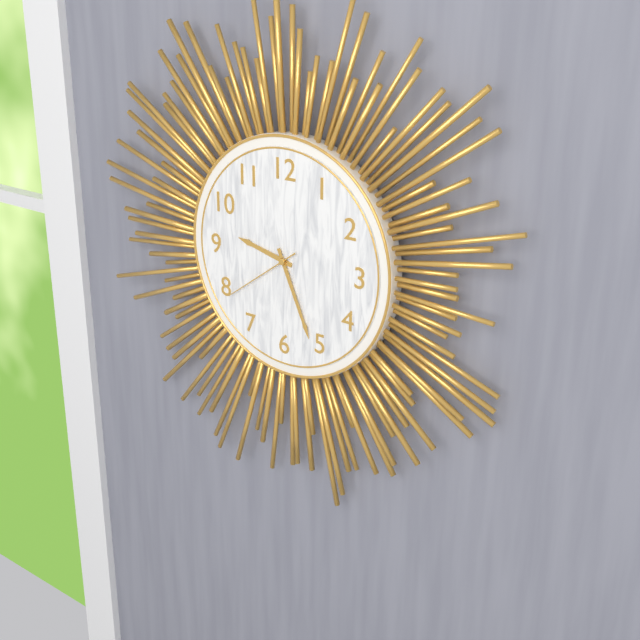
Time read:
9 h 26 min 39 s
